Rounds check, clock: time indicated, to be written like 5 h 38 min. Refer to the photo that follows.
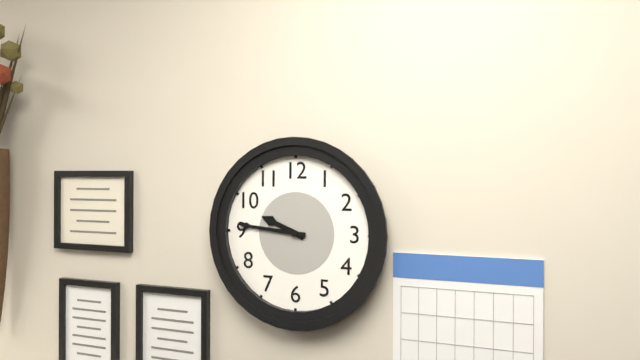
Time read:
9 h 46 min
